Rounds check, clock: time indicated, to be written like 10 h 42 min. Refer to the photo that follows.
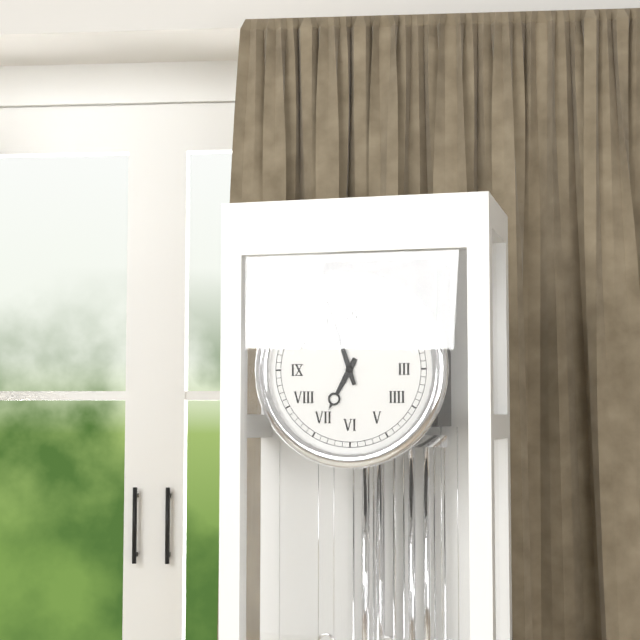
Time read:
6 h 57 min
